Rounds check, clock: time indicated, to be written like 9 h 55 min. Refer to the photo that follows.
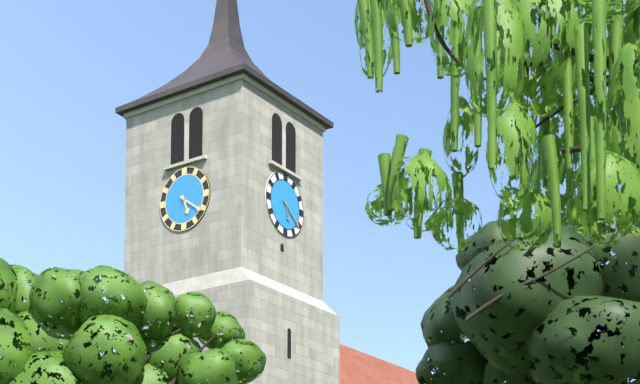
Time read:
5 h 21 min
